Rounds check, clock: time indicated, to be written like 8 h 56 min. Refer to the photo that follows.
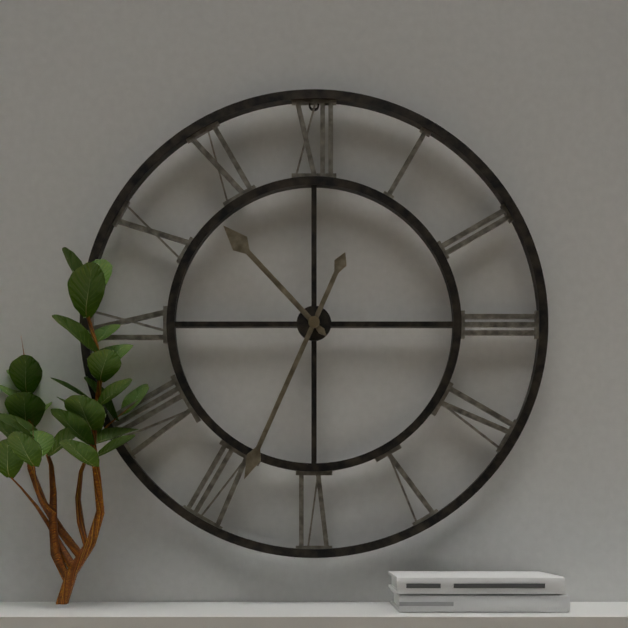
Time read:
10 h 34 min
